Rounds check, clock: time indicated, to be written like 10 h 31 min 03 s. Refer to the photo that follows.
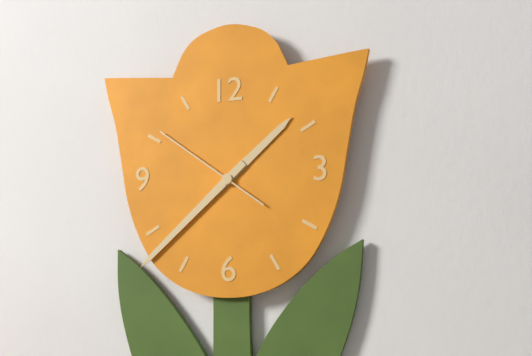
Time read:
1 h 38 min 51 s
